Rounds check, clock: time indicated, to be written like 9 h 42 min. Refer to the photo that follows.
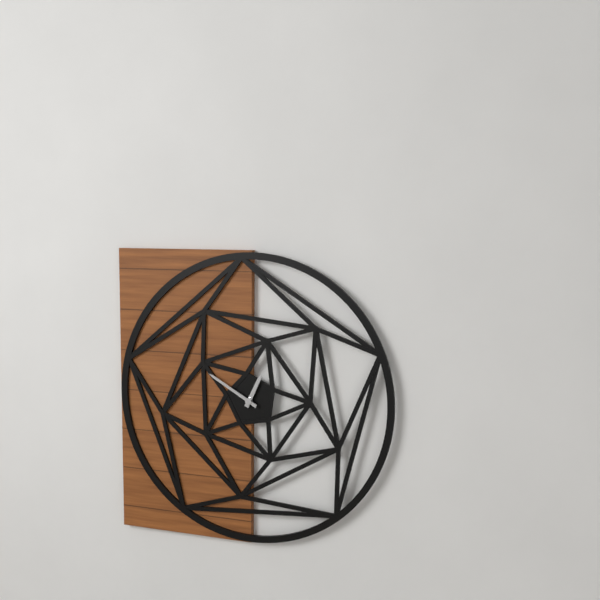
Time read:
12 h 50 min
